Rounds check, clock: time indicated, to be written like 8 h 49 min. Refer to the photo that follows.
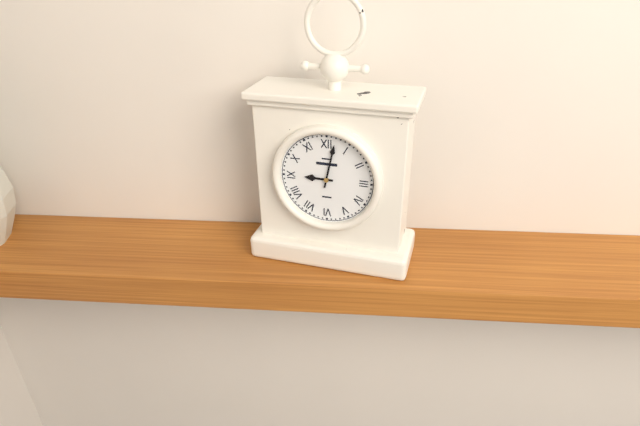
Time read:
9 h 02 min
